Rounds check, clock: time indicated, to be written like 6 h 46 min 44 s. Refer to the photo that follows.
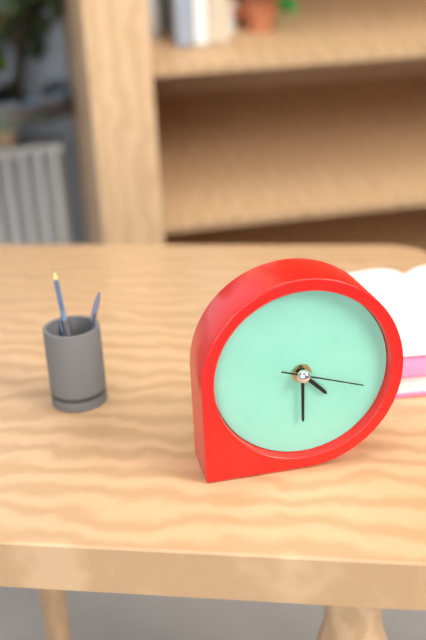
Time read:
4 h 30 min 18 s
